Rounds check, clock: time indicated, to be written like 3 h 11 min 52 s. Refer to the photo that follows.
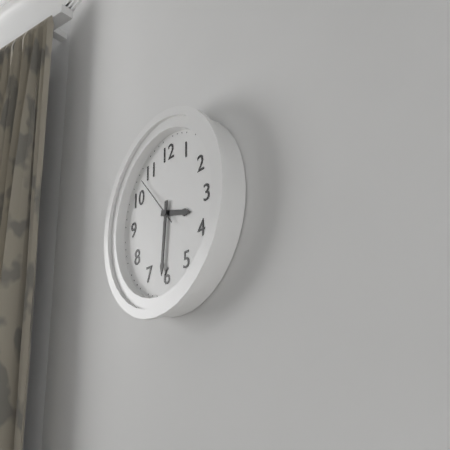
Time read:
3 h 31 min 53 s
